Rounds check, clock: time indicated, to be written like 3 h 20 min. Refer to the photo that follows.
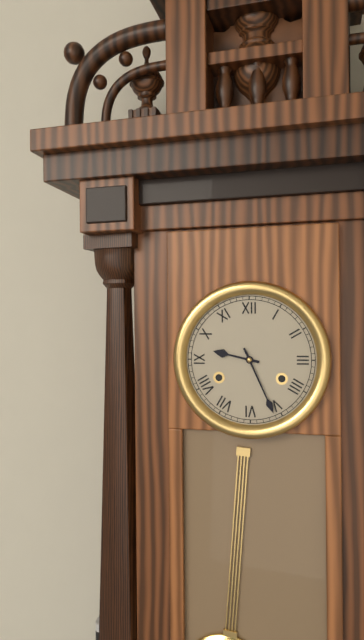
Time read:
9 h 26 min
